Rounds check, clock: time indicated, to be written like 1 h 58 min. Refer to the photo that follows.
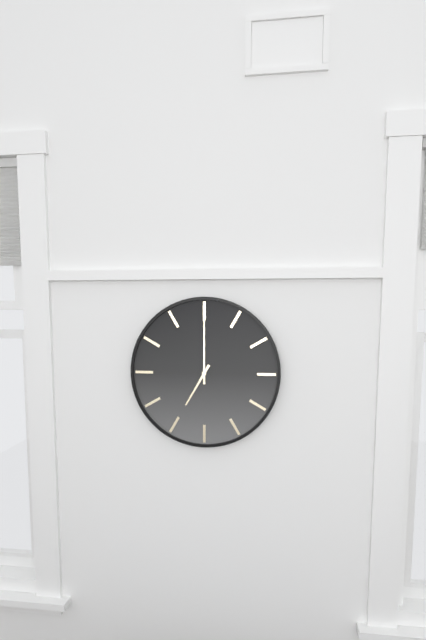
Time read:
7 h 00 min
